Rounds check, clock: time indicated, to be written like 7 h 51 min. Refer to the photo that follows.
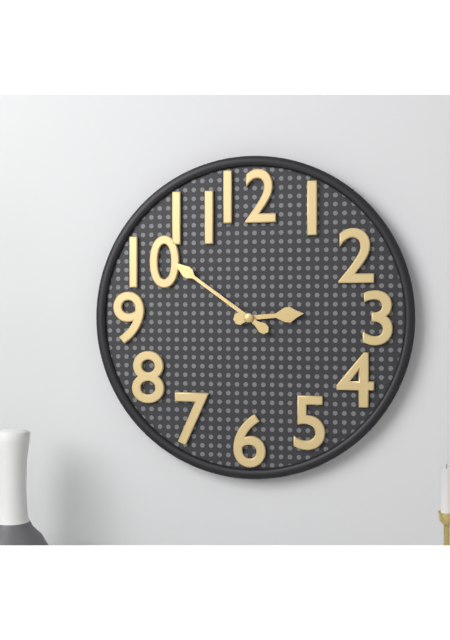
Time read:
2 h 51 min
